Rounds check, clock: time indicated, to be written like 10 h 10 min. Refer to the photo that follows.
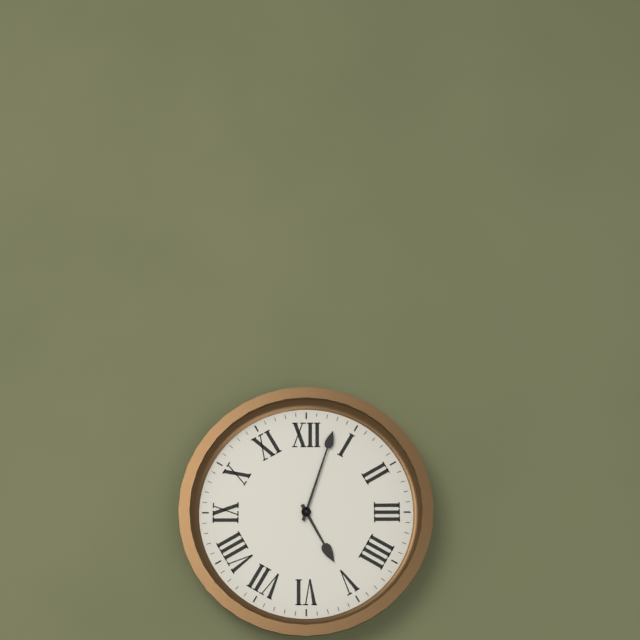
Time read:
5 h 03 min
